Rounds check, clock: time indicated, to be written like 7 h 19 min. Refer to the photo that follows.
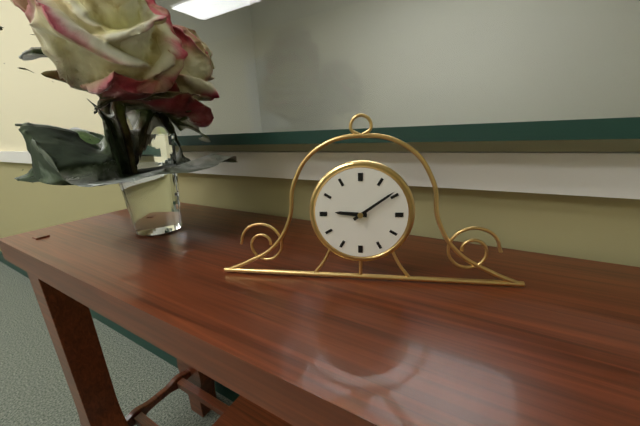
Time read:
9 h 09 min
